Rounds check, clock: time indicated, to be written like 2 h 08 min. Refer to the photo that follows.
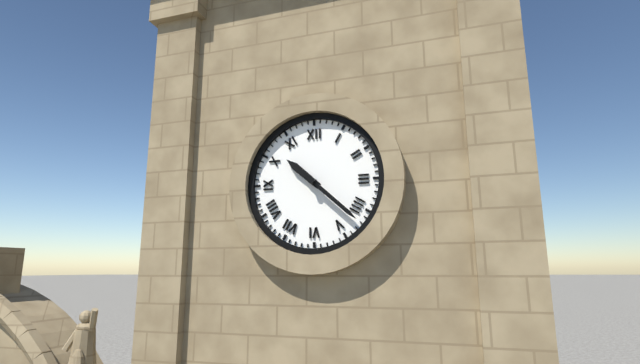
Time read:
10 h 22 min
